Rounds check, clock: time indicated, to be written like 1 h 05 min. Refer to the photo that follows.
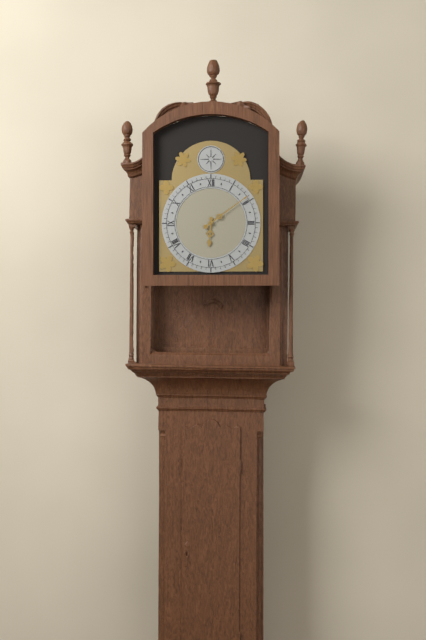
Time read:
6 h 09 min
